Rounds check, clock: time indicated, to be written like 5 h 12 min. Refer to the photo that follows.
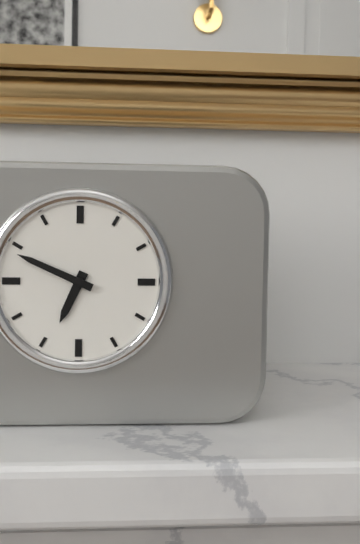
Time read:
6 h 49 min
